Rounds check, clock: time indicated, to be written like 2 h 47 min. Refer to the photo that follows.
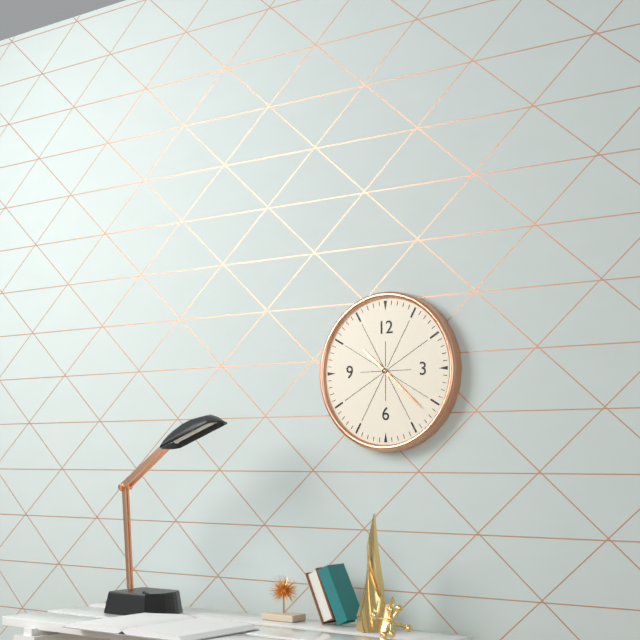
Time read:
10 h 22 min
